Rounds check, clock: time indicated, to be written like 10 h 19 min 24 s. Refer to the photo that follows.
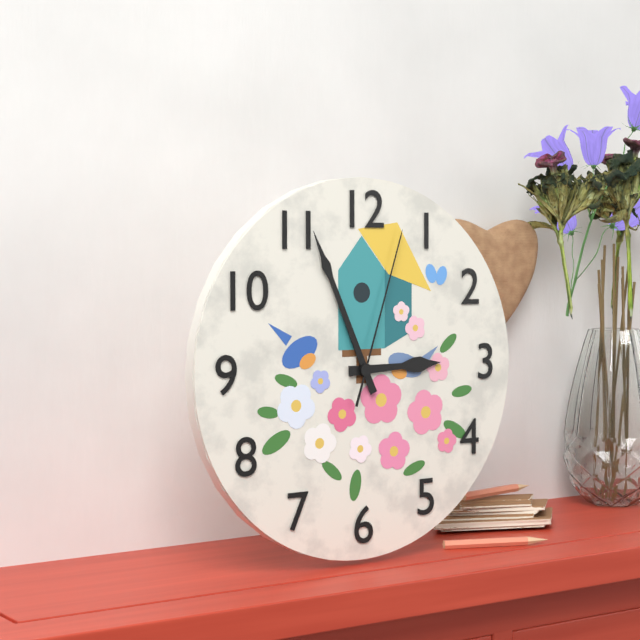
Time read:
2 h 56 min 03 s
